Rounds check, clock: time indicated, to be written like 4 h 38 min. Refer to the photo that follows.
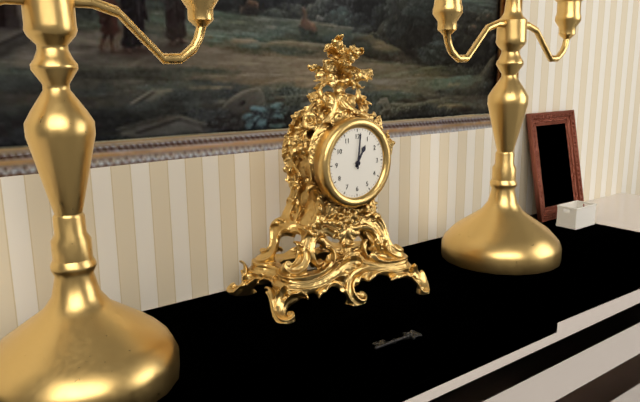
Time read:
1 h 01 min
